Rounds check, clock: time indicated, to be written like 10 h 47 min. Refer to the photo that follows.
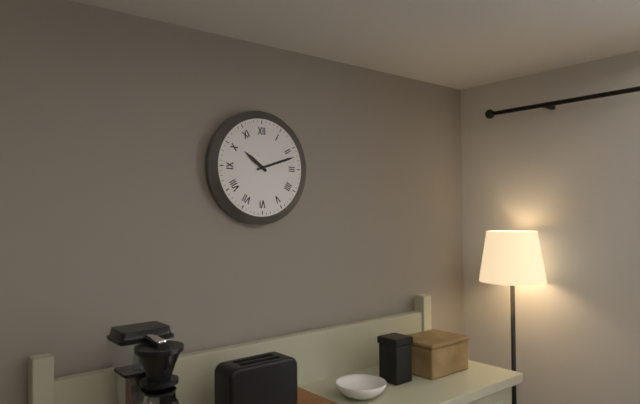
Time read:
10 h 12 min
